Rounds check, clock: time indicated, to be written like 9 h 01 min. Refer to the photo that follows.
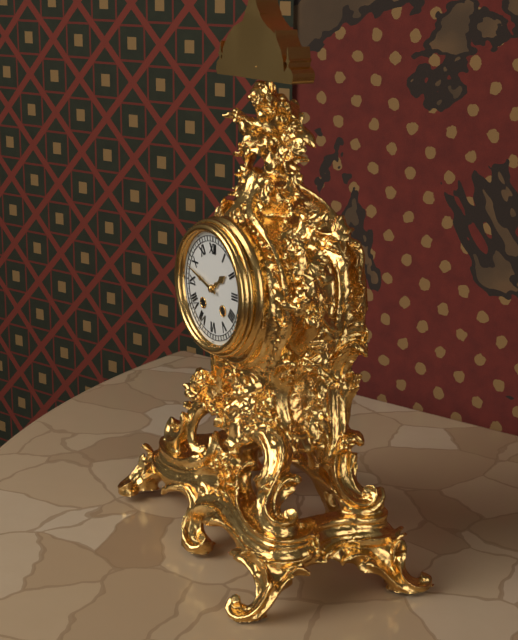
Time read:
1 h 48 min
